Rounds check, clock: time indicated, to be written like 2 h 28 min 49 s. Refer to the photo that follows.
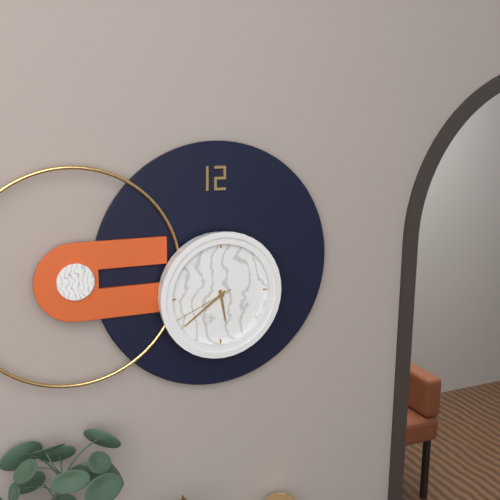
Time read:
5 h 39 min 41 s
